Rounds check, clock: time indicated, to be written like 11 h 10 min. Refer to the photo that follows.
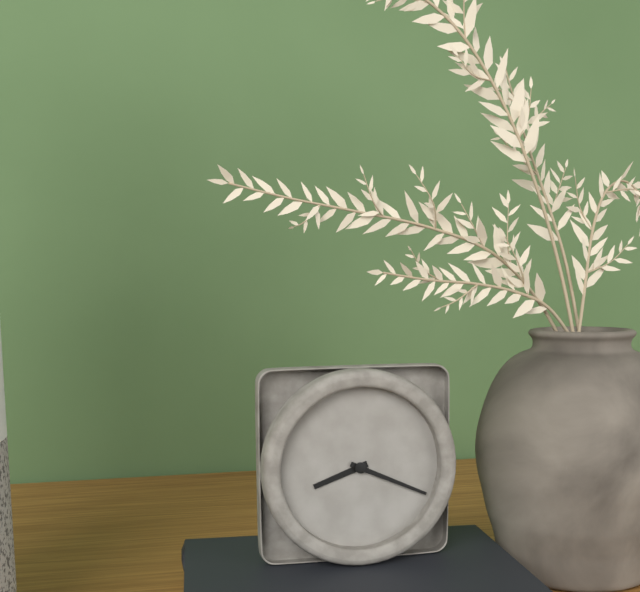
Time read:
8 h 19 min
